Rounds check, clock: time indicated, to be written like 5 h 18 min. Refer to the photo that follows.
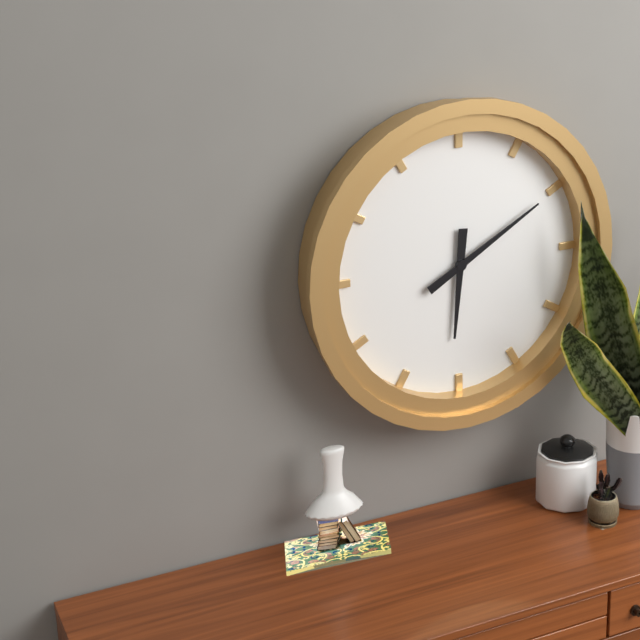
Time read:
6 h 10 min
